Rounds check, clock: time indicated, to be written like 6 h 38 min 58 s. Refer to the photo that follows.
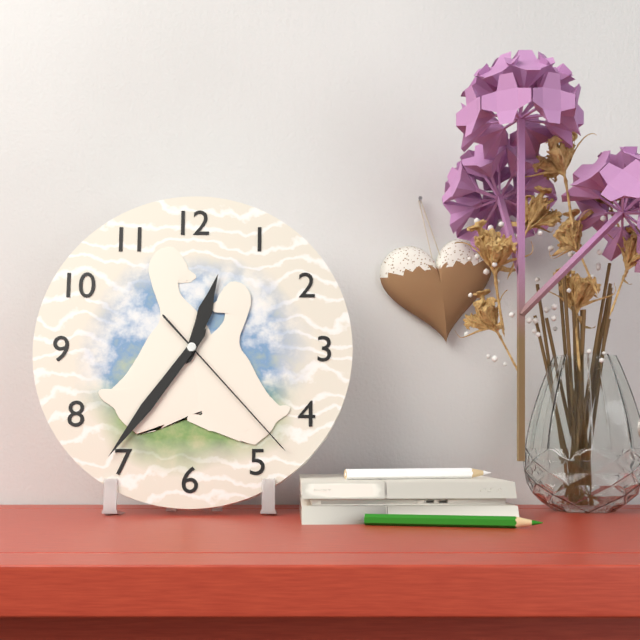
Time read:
12 h 36 min 23 s
